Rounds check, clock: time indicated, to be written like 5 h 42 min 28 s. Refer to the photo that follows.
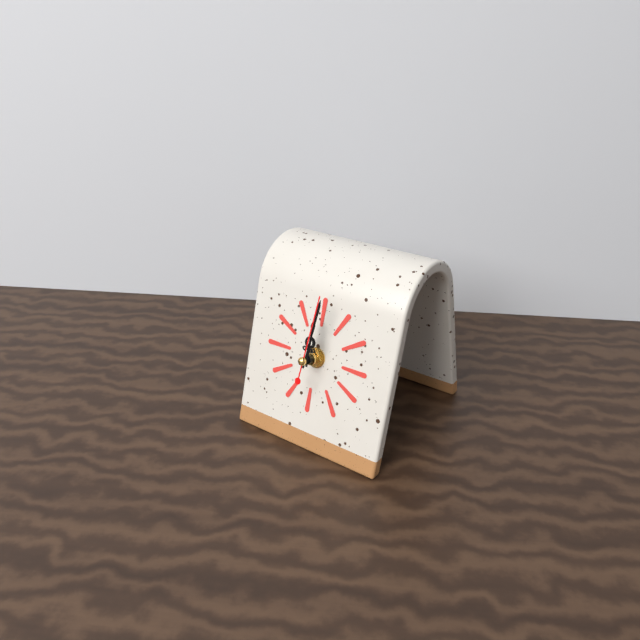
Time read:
12 h 01 min 01 s
